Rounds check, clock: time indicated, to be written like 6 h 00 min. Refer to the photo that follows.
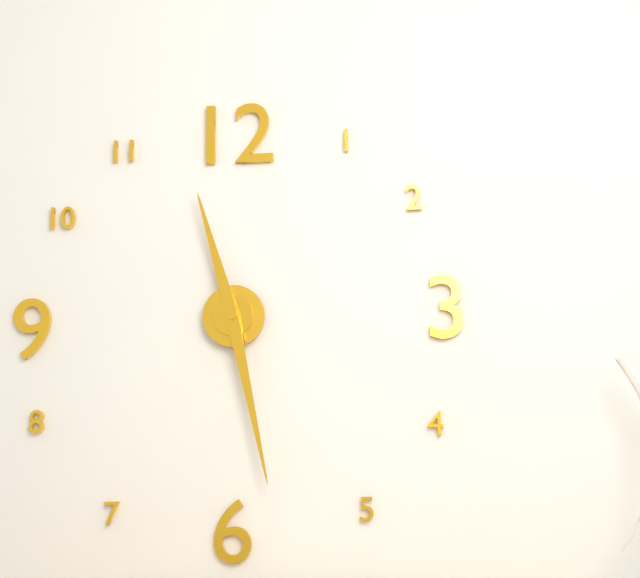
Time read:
11 h 28 min
